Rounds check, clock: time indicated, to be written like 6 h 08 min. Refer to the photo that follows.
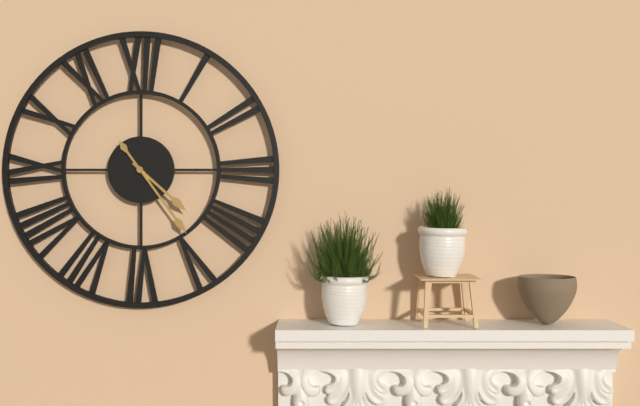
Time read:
4 h 24 min
